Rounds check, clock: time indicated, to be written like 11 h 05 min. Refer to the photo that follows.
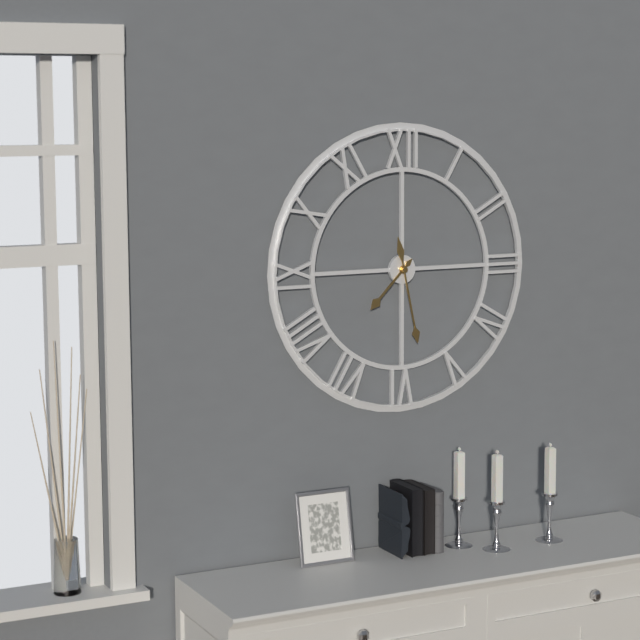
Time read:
7 h 28 min
